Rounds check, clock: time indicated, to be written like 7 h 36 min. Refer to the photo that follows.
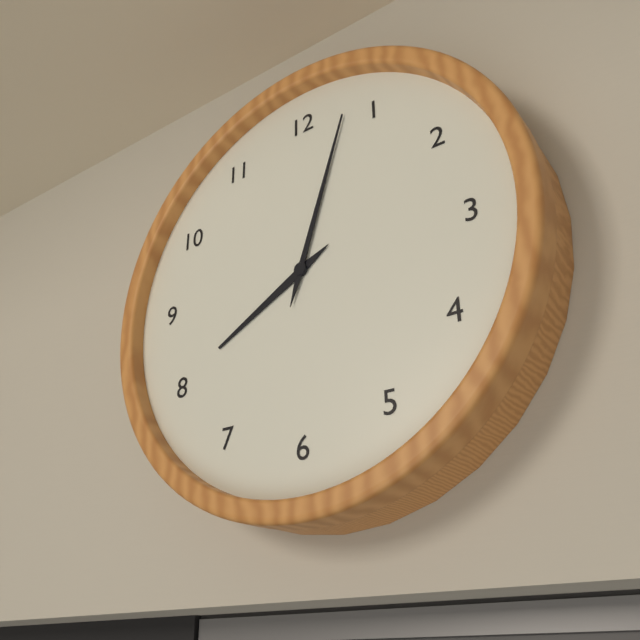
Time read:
8 h 03 min
